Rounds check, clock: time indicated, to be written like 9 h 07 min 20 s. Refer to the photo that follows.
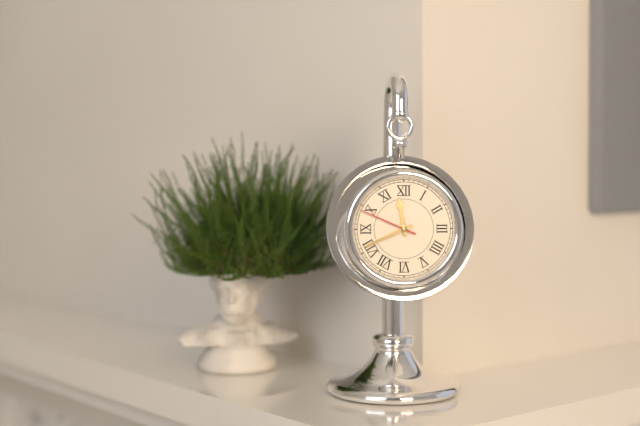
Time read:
11 h 41 min 49 s
